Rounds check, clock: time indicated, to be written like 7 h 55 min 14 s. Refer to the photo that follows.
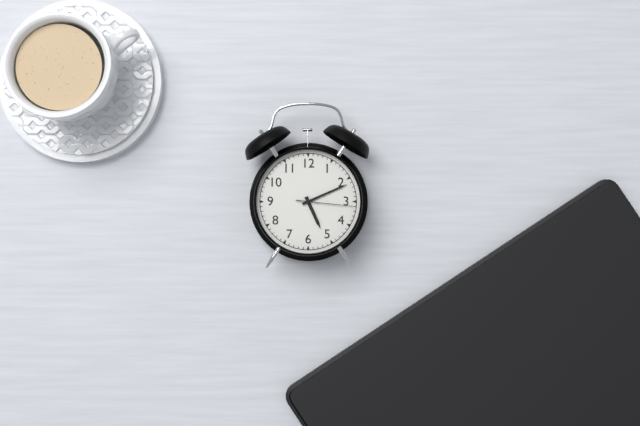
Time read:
5 h 11 min 16 s
